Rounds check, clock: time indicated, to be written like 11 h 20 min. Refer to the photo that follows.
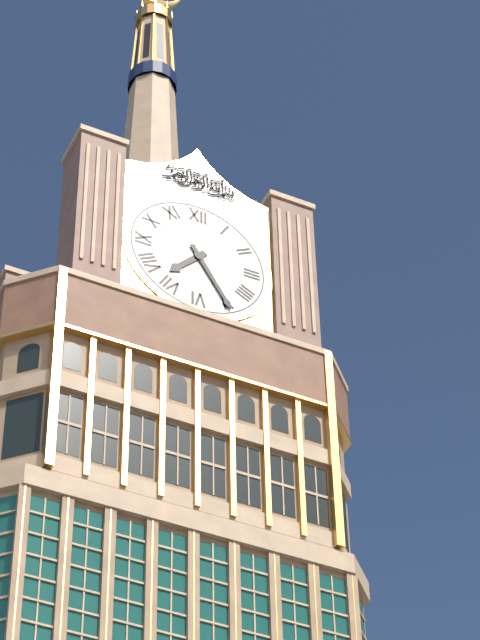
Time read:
7 h 25 min
